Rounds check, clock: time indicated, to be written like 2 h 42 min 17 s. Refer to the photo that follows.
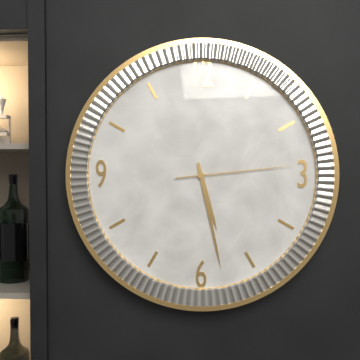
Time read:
5 h 28 min 14 s
